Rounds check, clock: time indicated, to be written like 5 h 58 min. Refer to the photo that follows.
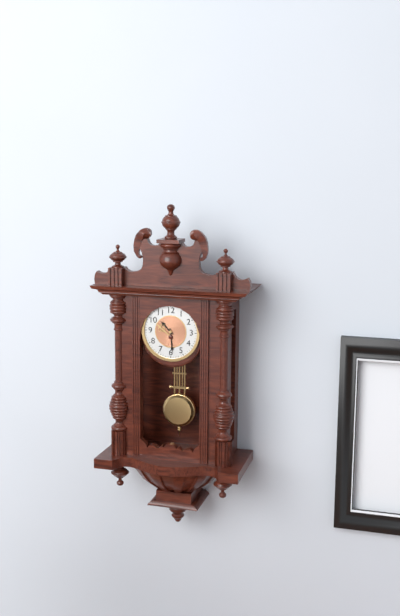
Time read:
10 h 29 min
